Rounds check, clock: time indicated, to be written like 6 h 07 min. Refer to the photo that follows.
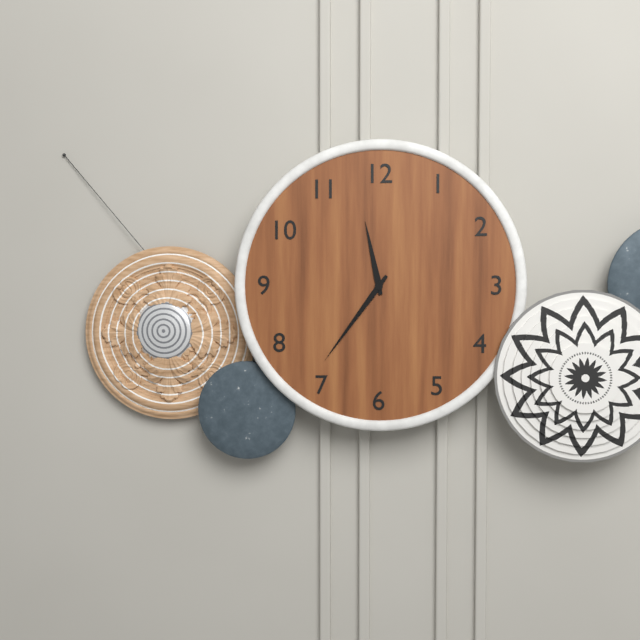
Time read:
11 h 36 min
